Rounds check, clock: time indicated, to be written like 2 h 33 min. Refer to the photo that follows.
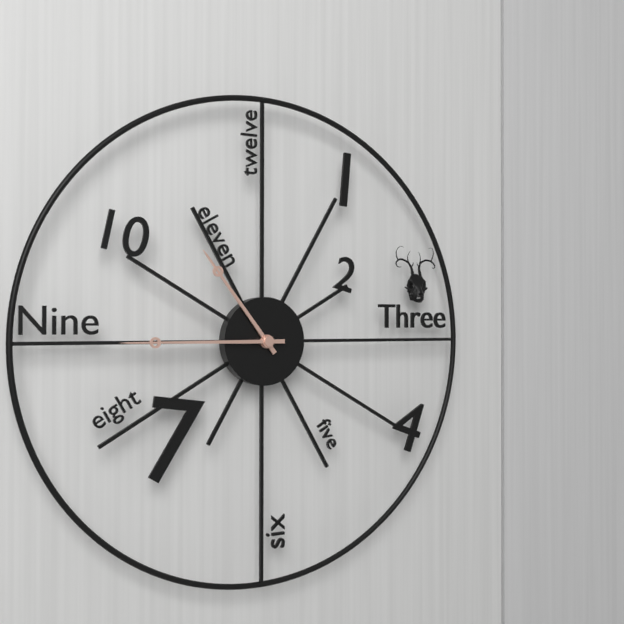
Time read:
10 h 45 min
